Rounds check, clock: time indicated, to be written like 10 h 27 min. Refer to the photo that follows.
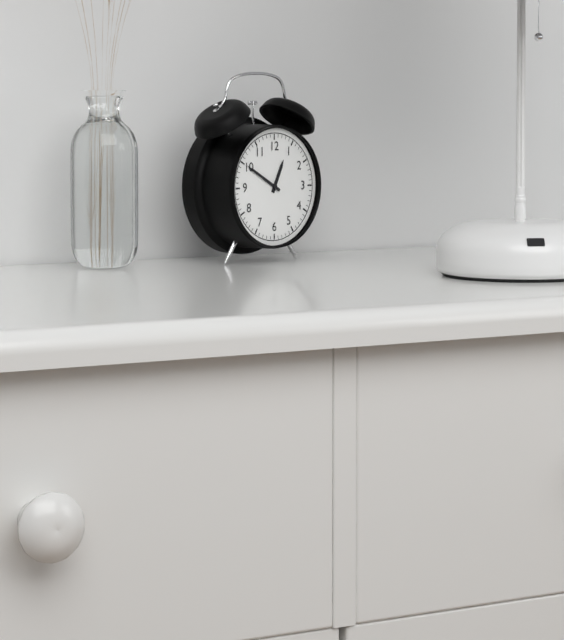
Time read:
12 h 50 min
